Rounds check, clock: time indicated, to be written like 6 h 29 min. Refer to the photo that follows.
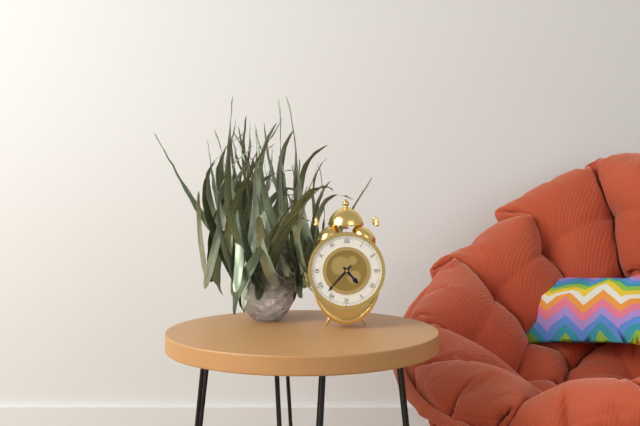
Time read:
4 h 37 min
